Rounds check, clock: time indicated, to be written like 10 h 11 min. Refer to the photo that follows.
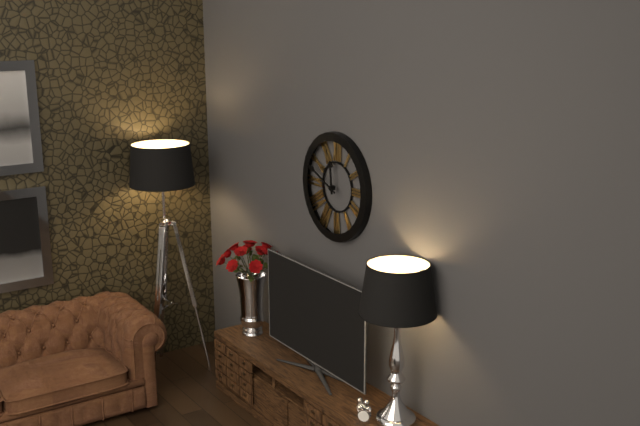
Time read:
11 h 49 min
